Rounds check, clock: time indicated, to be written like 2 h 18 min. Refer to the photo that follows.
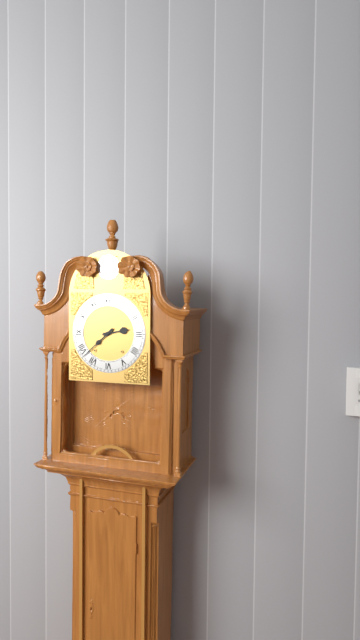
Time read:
2 h 38 min
